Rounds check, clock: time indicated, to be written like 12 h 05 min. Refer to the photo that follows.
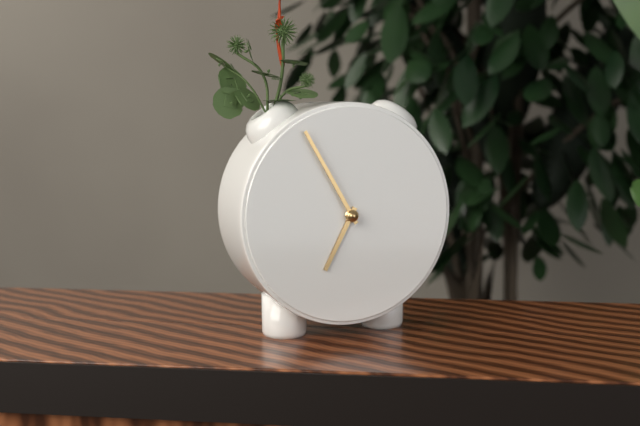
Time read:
6 h 55 min
